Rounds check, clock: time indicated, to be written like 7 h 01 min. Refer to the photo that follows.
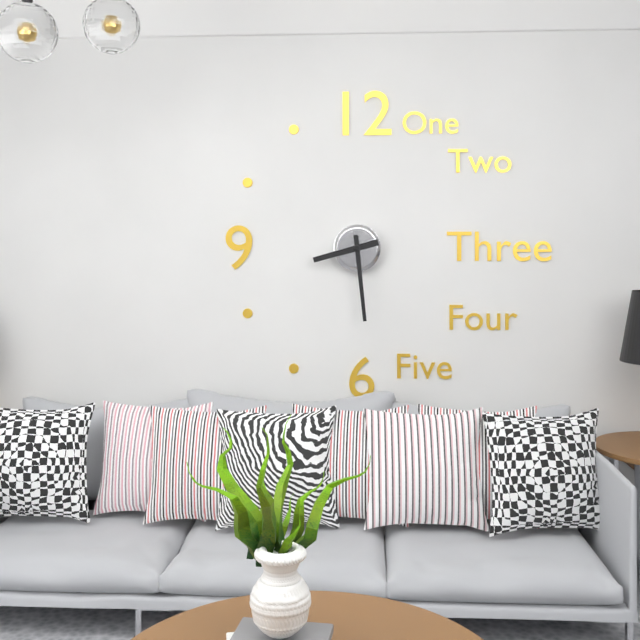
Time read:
8 h 29 min
